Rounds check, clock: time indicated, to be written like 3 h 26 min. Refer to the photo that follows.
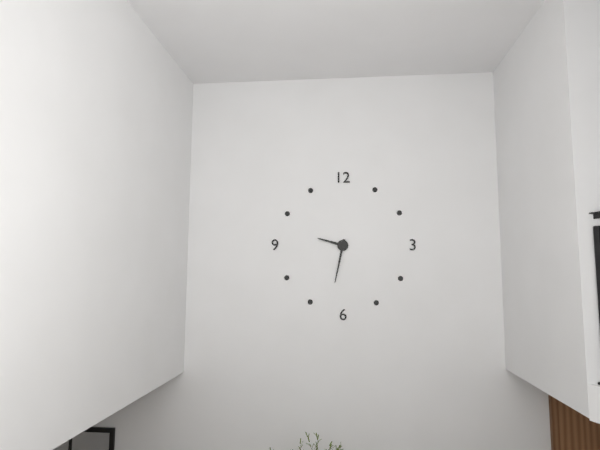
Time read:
9 h 32 min
